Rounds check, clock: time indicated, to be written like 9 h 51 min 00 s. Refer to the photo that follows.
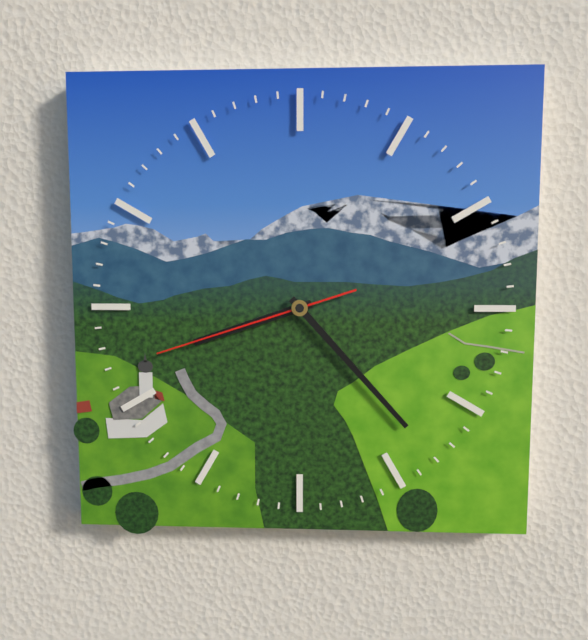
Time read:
8 h 23 min 42 s
